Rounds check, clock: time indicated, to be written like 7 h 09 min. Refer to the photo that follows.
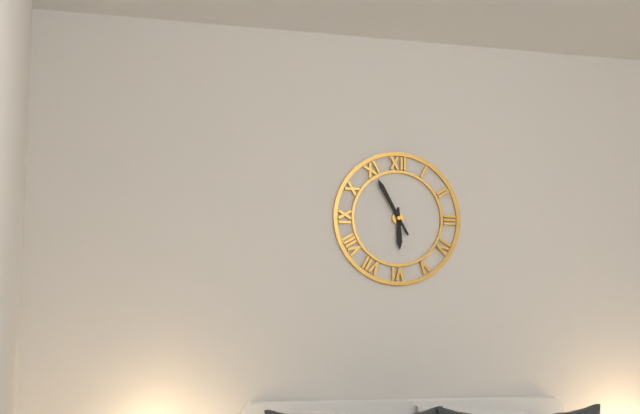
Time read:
5 h 55 min
